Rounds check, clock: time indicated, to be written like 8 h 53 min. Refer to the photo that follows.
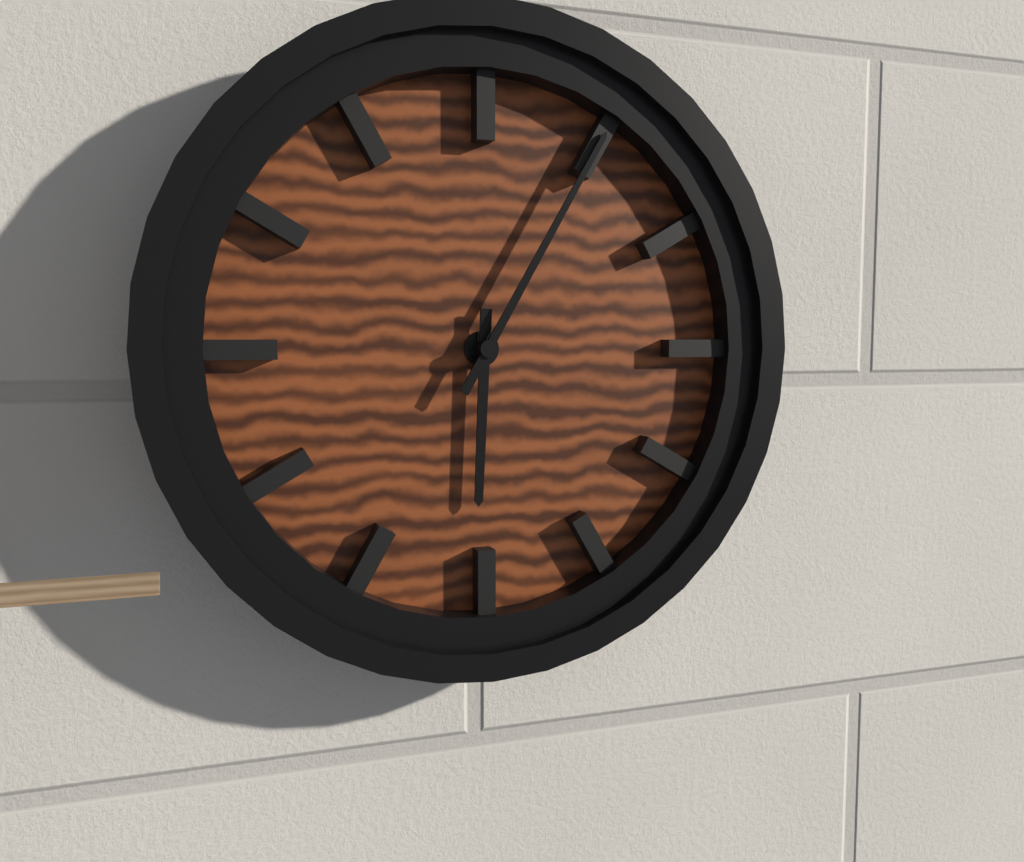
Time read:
6 h 05 min
